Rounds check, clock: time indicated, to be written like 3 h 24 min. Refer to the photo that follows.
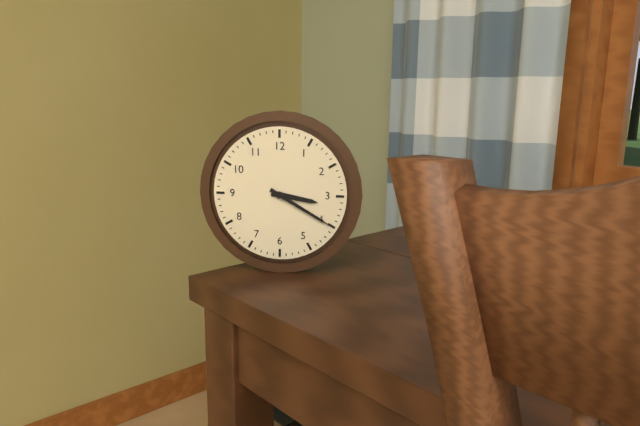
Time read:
3 h 20 min
